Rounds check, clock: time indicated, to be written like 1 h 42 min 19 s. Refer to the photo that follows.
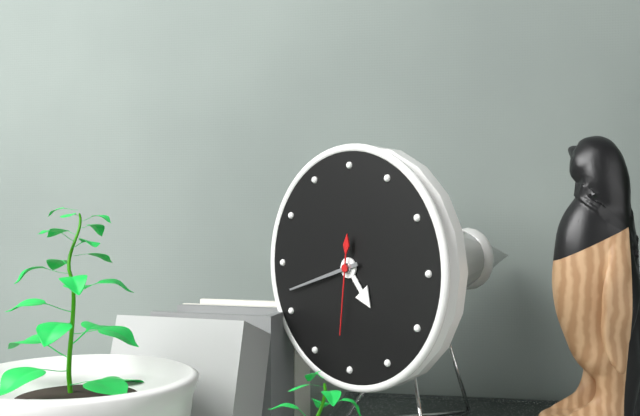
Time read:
4 h 42 min 31 s
